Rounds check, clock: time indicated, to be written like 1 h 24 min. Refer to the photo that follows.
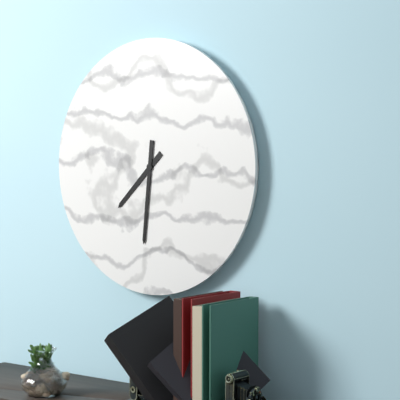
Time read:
7 h 31 min
